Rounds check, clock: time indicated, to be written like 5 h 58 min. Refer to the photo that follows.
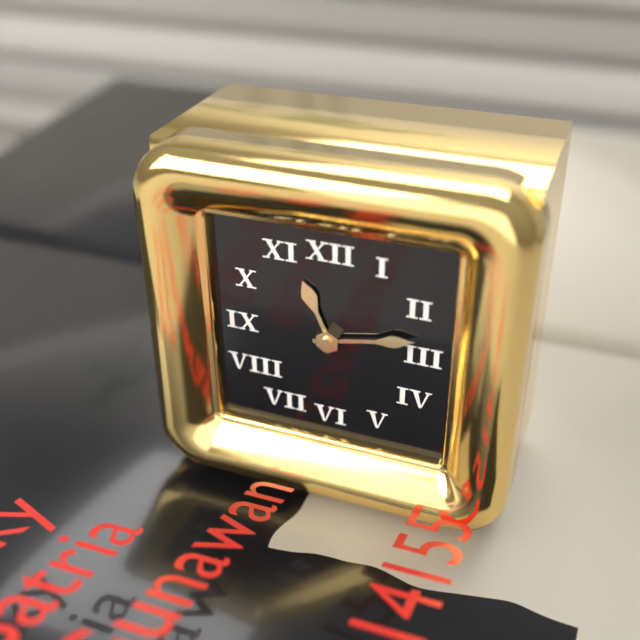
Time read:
11 h 13 min
